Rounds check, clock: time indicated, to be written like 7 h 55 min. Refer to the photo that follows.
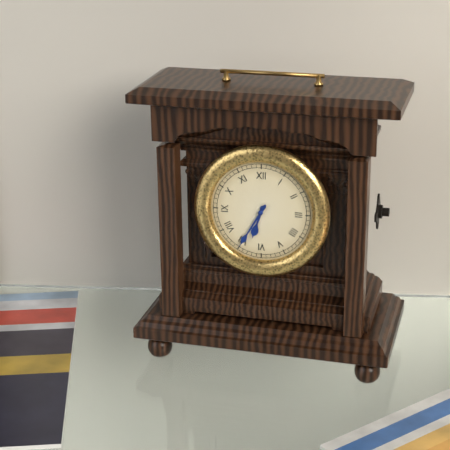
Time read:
6 h 35 min
